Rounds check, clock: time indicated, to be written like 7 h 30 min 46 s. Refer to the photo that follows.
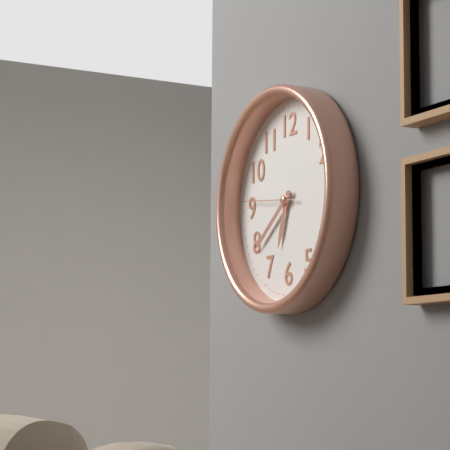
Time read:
6 h 39 min 46 s
